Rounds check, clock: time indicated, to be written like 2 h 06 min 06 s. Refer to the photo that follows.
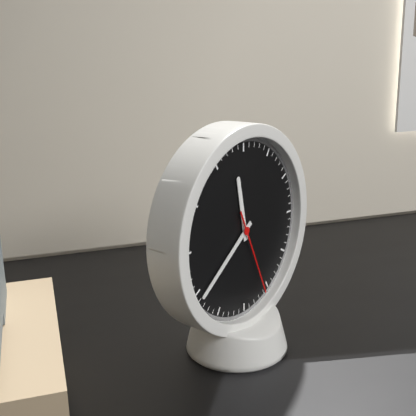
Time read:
11 h 39 min 26 s
